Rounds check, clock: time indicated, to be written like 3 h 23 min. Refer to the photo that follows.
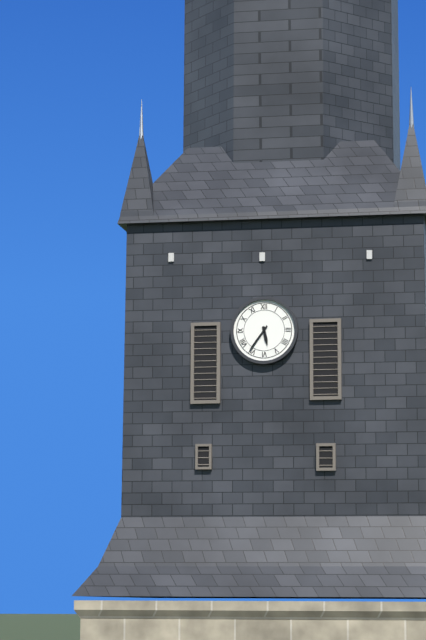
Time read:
5 h 36 min
